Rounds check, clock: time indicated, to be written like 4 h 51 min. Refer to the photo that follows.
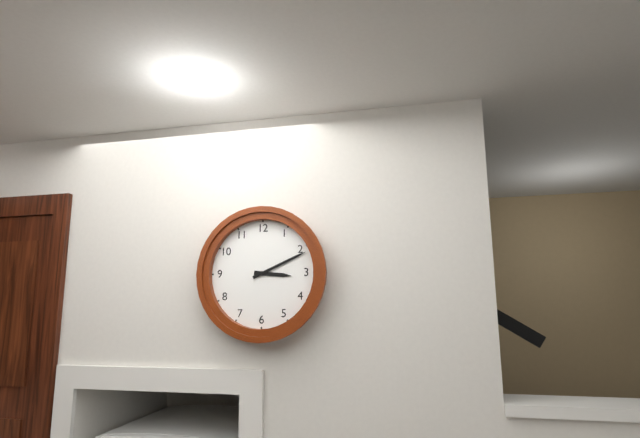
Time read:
3 h 11 min
